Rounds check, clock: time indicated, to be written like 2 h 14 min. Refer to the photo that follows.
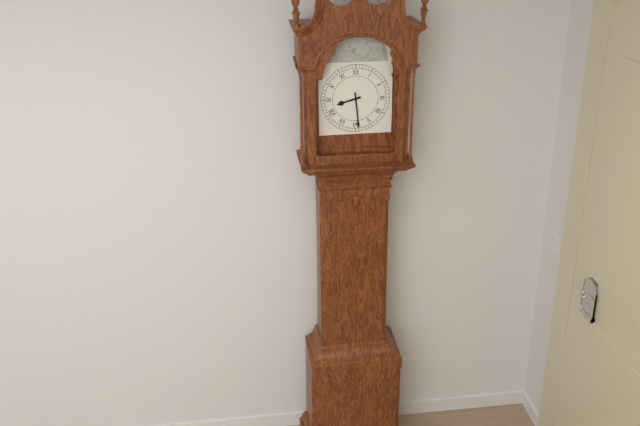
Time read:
8 h 29 min
